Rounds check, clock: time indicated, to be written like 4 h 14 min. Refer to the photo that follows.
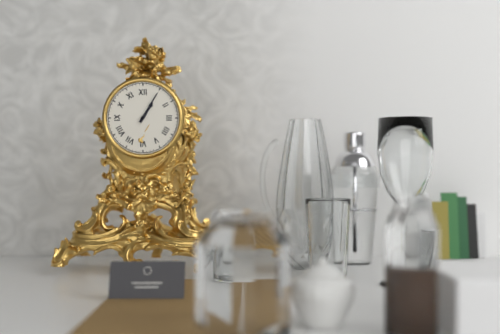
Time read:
1 h 05 min
